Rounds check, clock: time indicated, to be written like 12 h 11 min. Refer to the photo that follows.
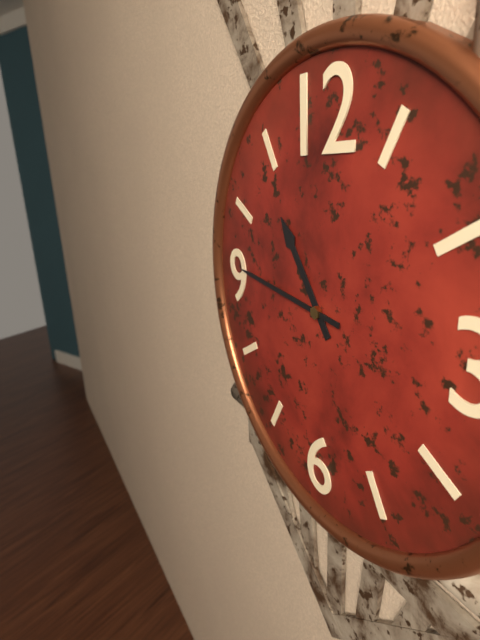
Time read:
10 h 46 min
